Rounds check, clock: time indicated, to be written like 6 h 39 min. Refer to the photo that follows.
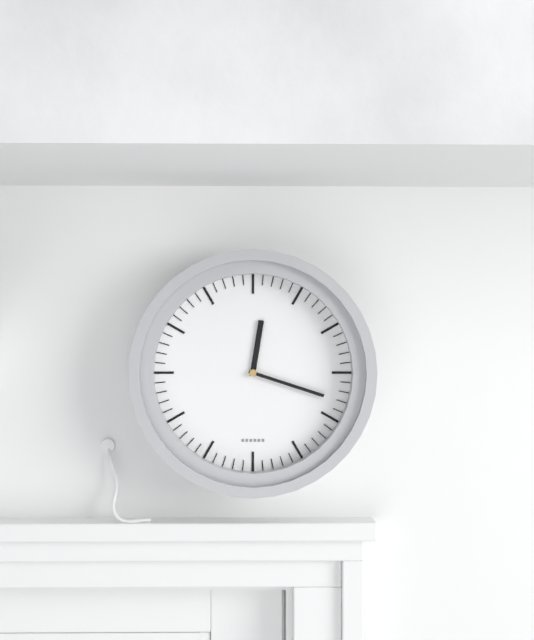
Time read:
12 h 18 min
